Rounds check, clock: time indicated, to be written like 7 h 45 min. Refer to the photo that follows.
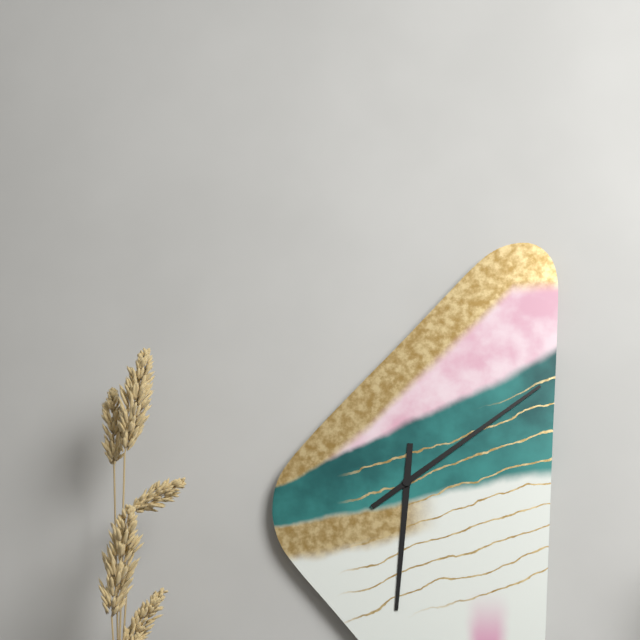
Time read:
6 h 09 min
